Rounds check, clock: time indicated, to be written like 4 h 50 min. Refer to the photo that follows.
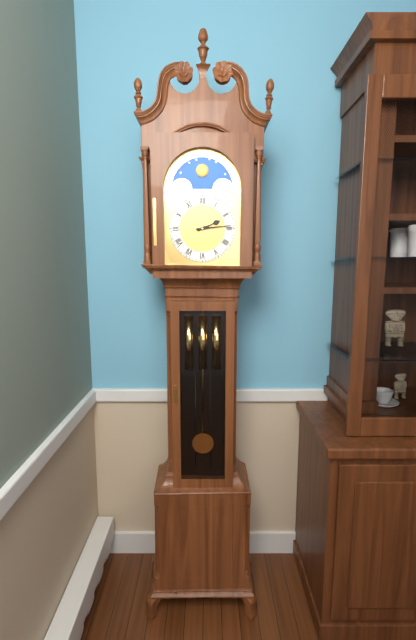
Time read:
2 h 14 min
